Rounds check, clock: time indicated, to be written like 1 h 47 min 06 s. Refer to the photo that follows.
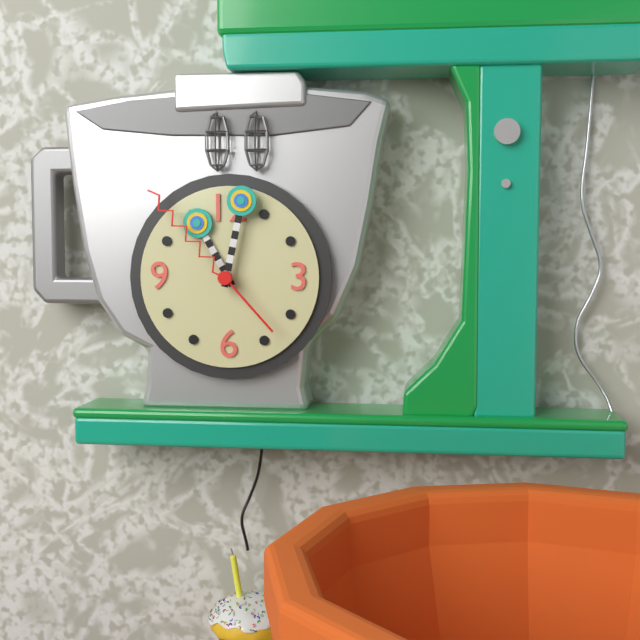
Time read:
11 h 02 min 53 s
